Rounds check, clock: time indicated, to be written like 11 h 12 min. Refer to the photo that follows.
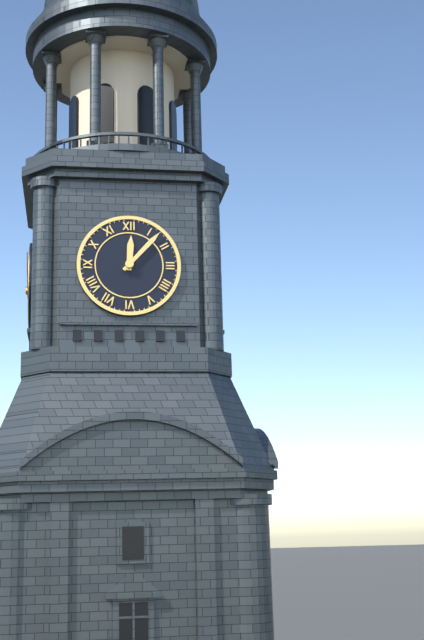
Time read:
12 h 07 min
